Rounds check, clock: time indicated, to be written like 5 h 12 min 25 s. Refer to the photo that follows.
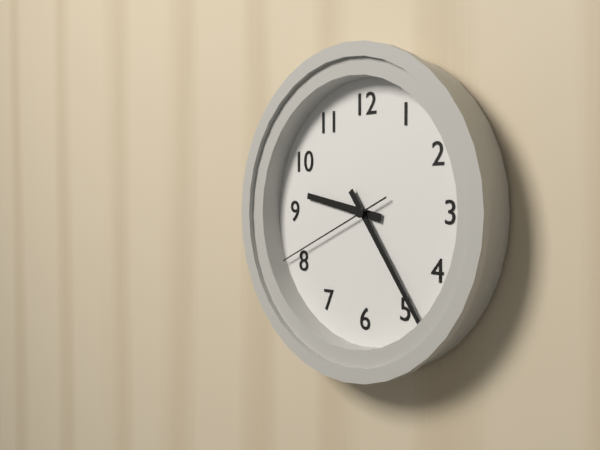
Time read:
9 h 24 min 41 s
